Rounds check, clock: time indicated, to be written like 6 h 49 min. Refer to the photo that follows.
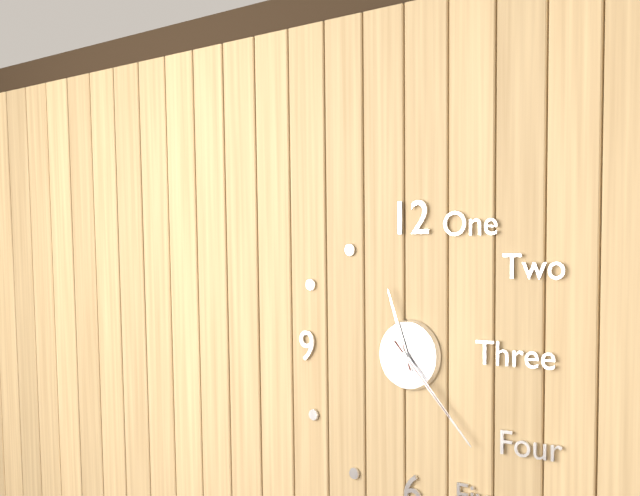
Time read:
11 h 23 min
